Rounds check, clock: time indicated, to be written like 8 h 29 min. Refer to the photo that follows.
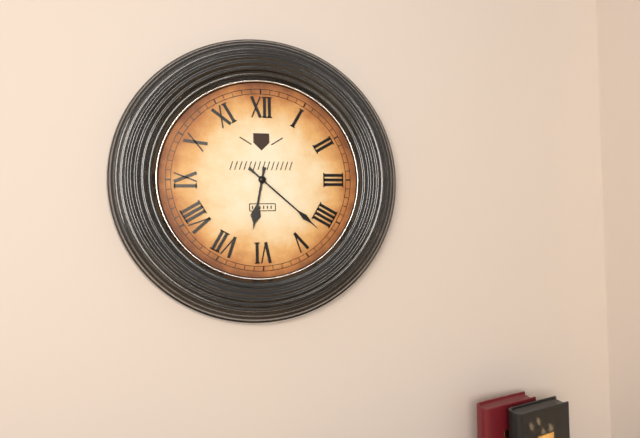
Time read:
6 h 22 min
